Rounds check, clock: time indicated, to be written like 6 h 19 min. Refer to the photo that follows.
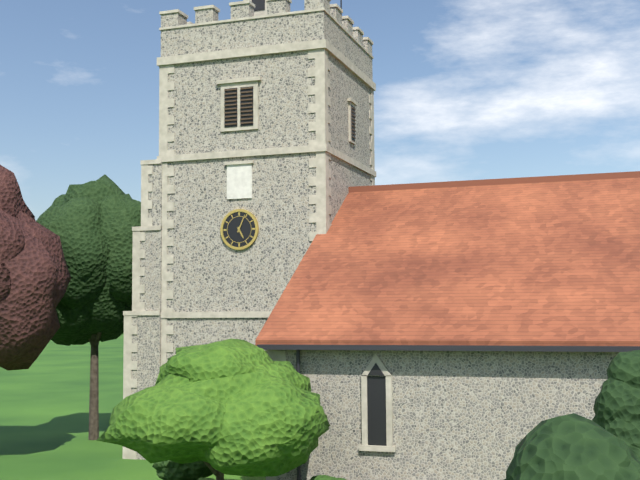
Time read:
5 h 04 min
